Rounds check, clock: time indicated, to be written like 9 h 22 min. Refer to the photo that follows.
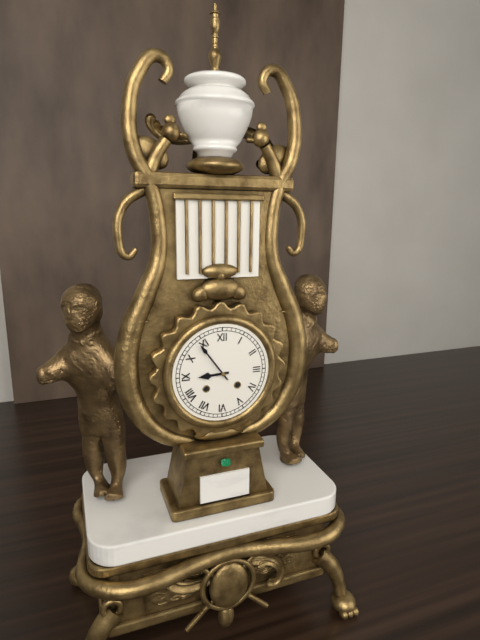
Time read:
8 h 54 min
